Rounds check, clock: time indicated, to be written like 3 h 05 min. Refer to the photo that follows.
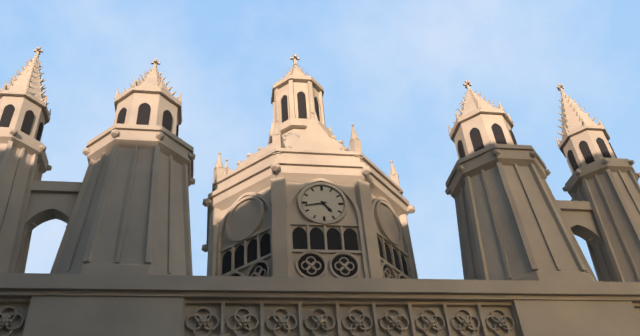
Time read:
4 h 43 min
